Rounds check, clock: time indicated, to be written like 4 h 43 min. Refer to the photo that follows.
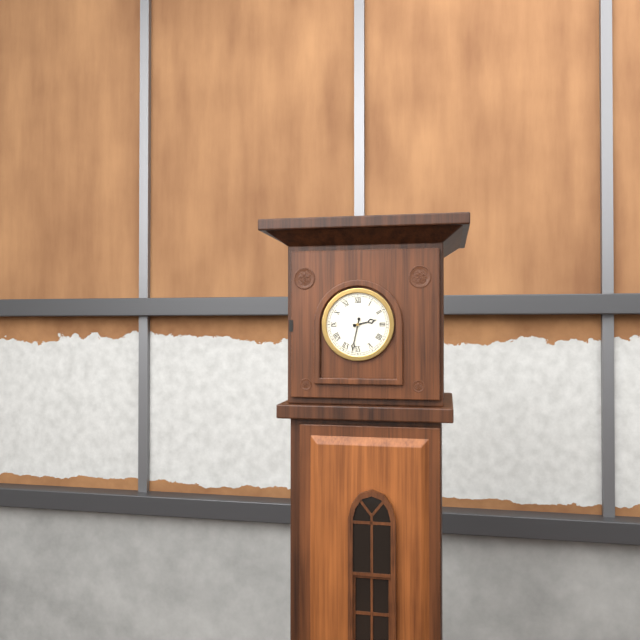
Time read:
2 h 32 min
